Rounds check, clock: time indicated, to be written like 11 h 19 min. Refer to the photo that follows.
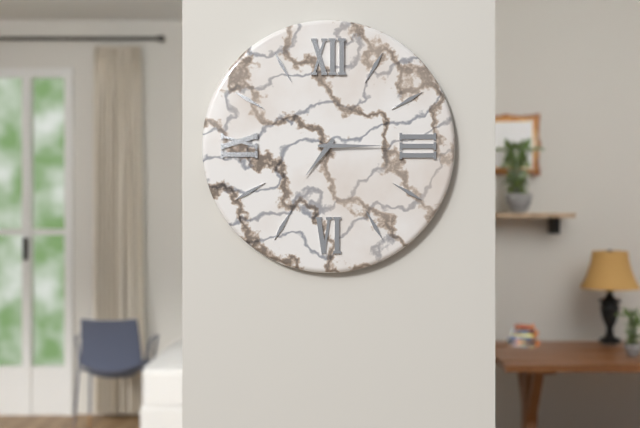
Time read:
7 h 15 min
